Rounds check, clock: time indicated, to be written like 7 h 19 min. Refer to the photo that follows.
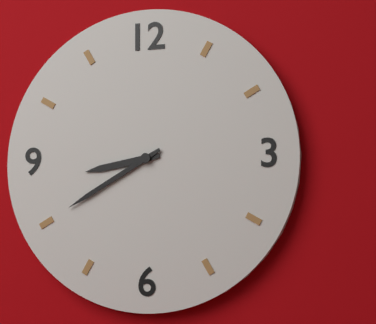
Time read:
8 h 40 min
